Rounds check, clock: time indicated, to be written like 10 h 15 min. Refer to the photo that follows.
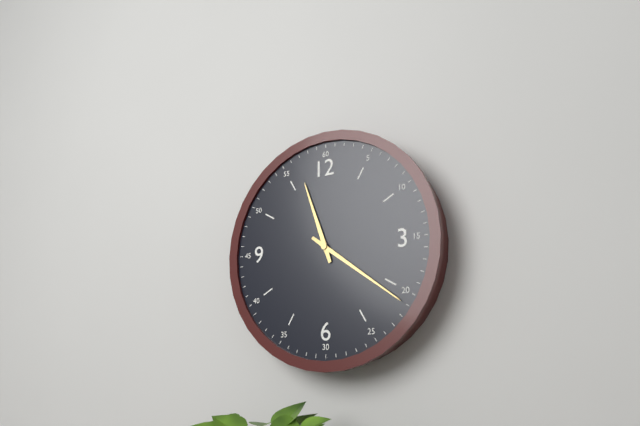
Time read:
11 h 21 min
